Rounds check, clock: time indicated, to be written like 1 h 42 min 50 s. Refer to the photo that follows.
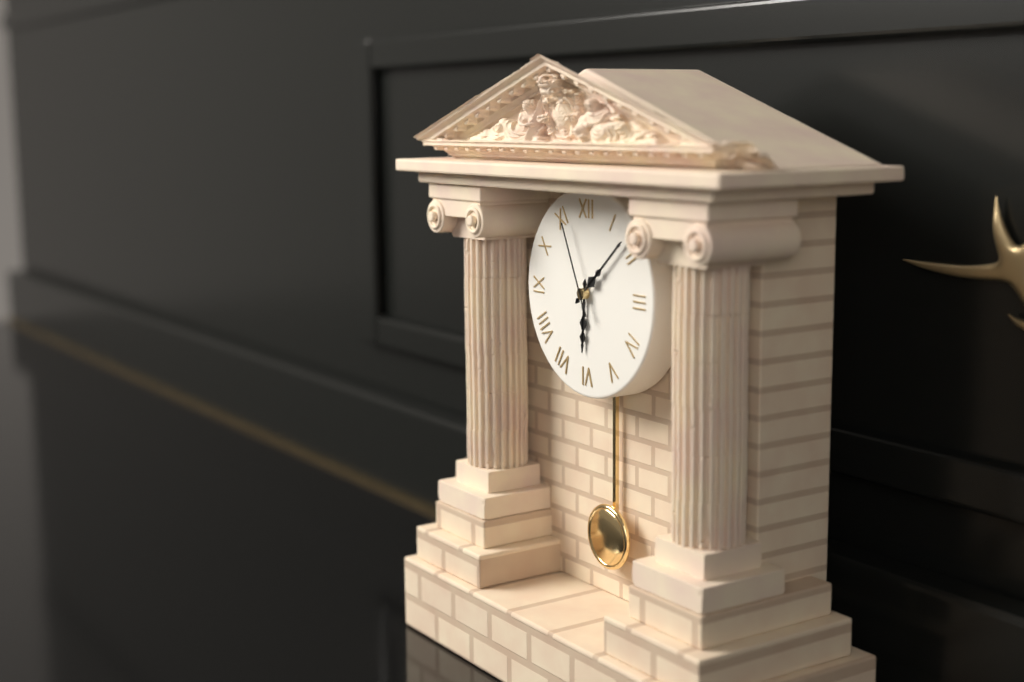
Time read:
6 h 08 min 56 s
